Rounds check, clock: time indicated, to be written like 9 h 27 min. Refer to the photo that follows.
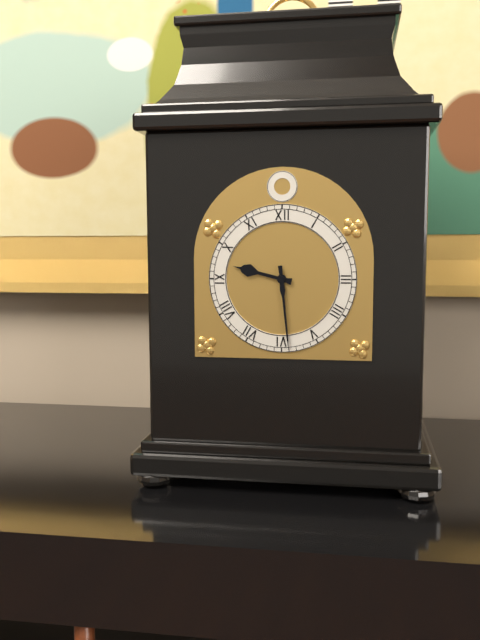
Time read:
9 h 29 min
